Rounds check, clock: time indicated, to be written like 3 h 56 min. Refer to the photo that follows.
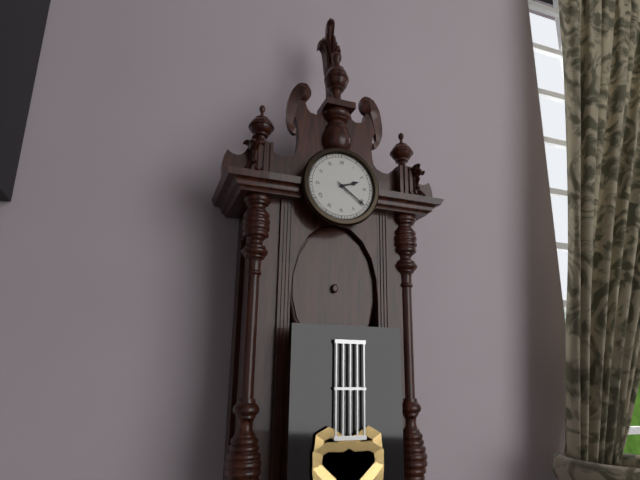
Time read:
2 h 21 min
